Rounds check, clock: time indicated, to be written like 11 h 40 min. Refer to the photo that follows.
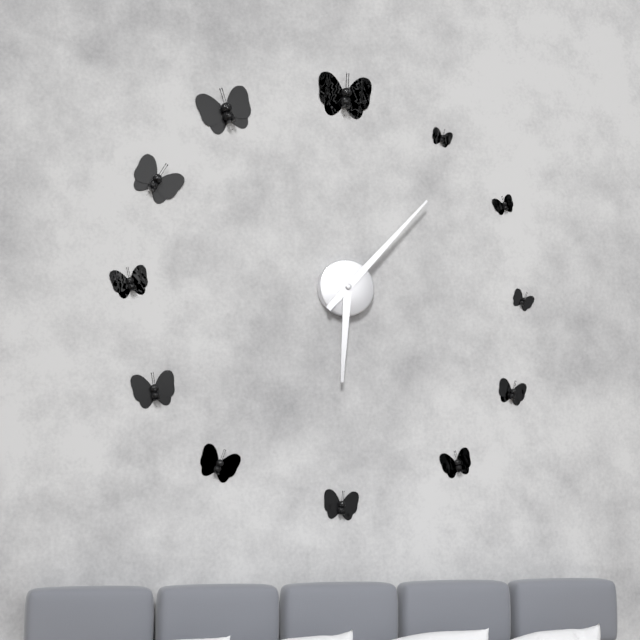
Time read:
6 h 07 min
